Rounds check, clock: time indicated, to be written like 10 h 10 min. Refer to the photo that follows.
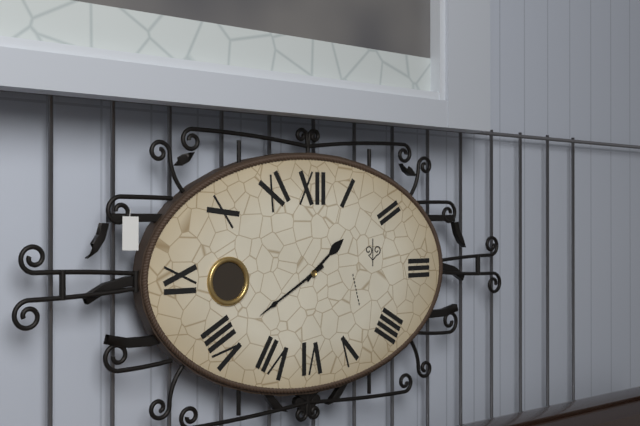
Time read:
1 h 40 min
